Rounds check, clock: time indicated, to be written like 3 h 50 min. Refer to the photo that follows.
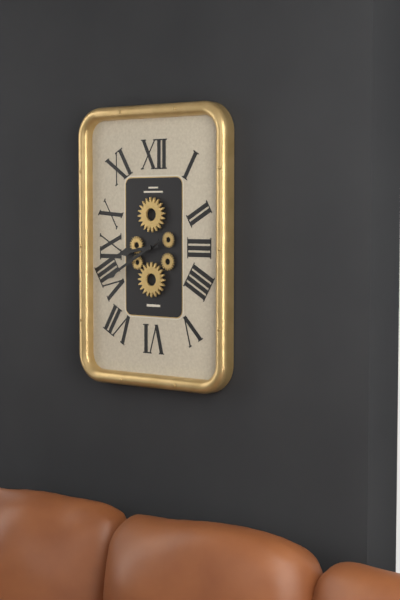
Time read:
8 h 40 min
